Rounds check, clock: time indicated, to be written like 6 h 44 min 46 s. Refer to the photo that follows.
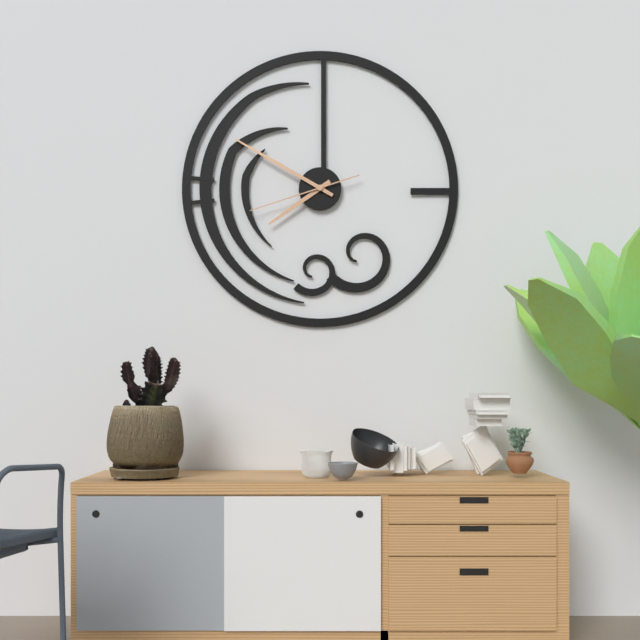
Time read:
7 h 50 min 42 s
